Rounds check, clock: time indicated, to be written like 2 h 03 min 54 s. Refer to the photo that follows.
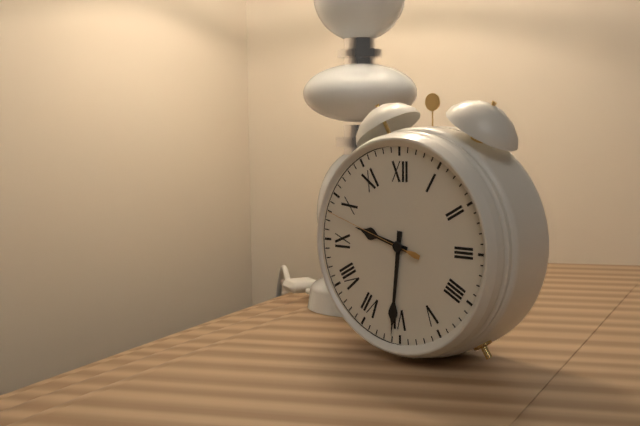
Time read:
9 h 31 min 48 s
